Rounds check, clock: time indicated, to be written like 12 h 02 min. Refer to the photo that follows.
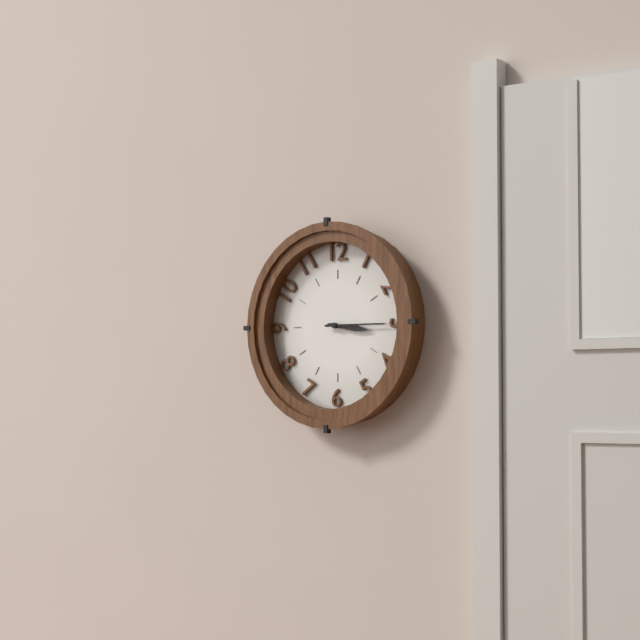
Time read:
3 h 15 min
